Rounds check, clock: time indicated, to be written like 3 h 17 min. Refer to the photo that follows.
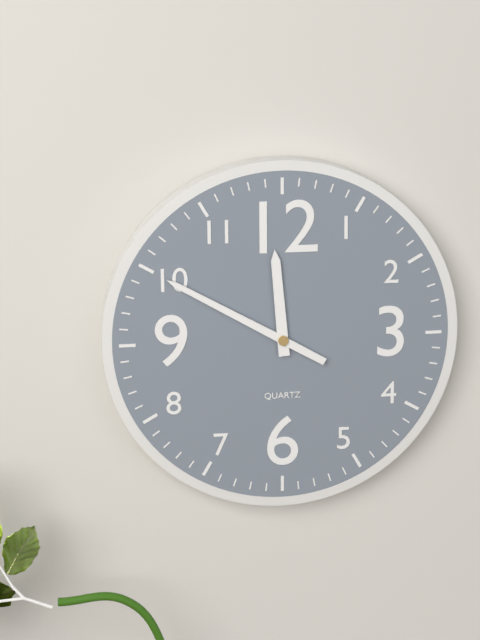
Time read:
11 h 50 min
